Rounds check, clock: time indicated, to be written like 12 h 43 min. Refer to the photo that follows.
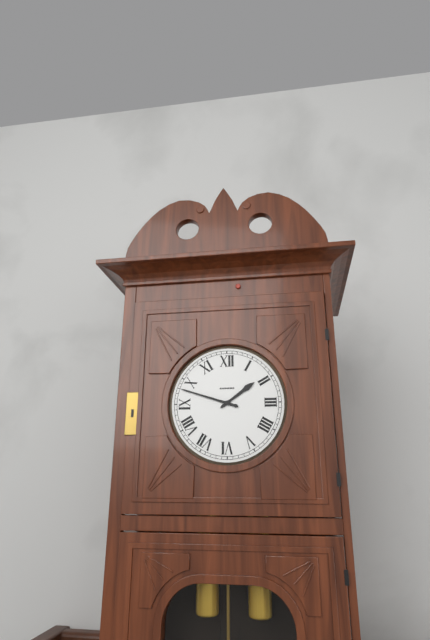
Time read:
1 h 48 min
